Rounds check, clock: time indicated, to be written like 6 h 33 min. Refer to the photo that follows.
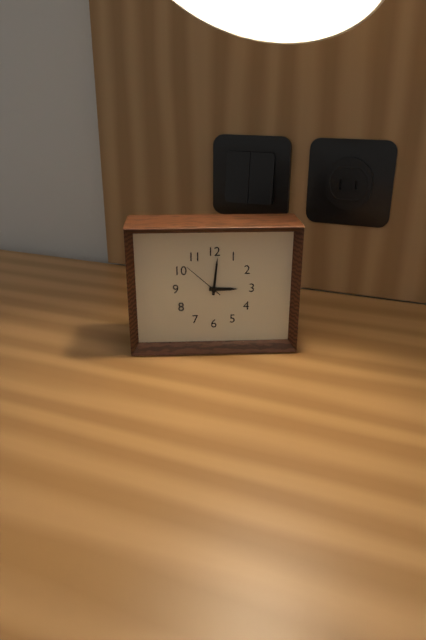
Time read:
3 h 01 min
